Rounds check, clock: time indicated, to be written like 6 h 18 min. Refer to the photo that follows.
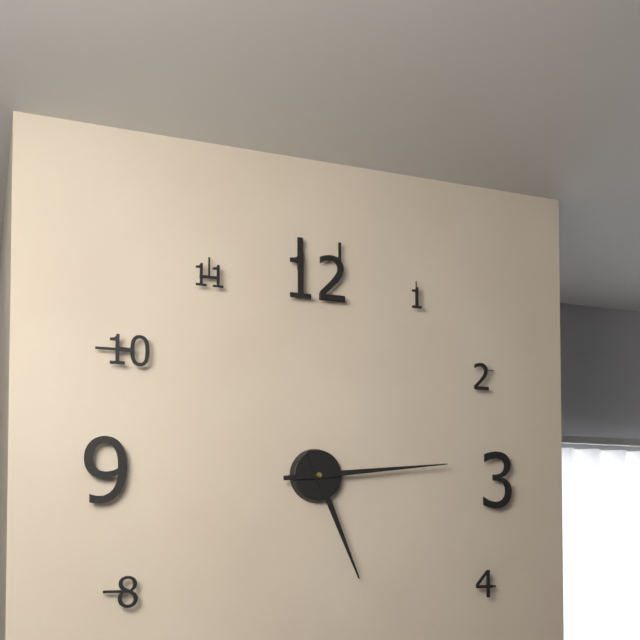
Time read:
5 h 14 min
